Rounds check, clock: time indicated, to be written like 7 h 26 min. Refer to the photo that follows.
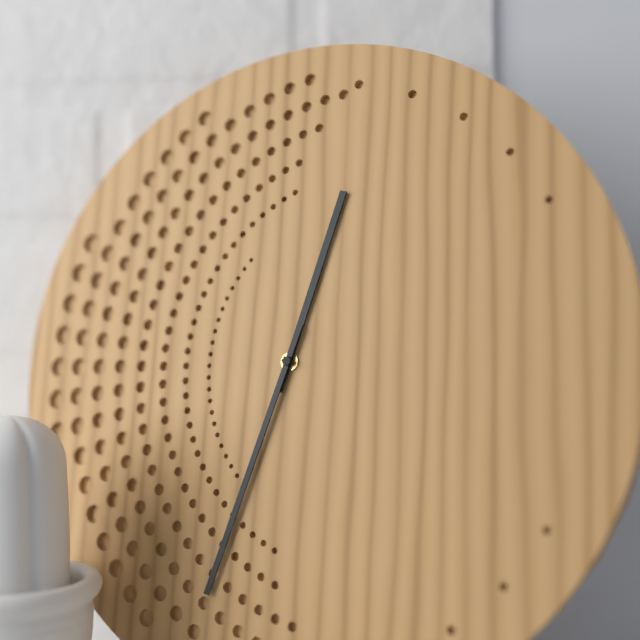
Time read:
12 h 33 min
